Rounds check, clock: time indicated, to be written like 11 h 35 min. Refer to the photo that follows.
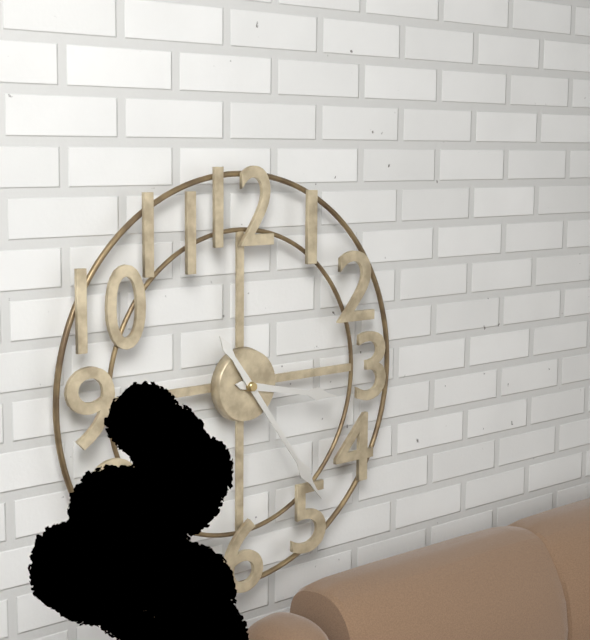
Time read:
3 h 24 min
